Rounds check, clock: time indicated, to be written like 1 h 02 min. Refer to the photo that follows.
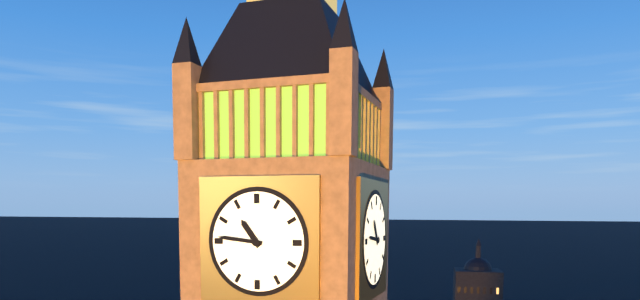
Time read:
10 h 46 min
